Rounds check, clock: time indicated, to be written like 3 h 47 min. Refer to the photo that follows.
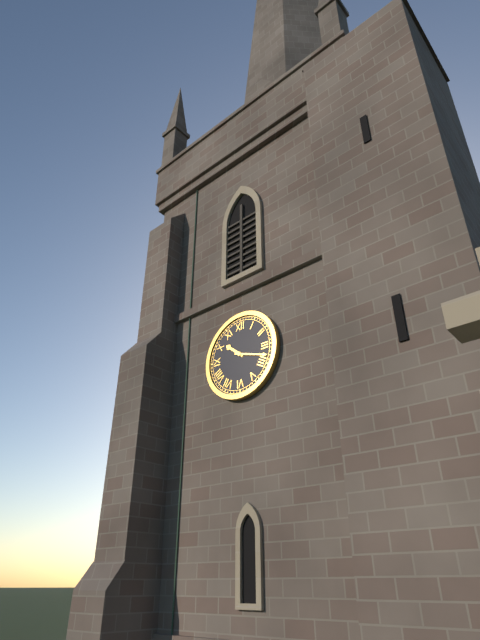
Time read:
10 h 18 min
